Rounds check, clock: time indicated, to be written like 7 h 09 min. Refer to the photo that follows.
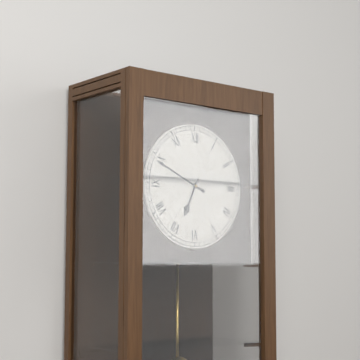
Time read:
6 h 49 min
